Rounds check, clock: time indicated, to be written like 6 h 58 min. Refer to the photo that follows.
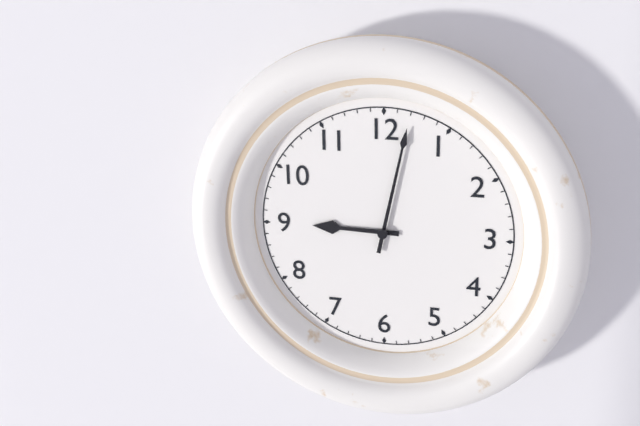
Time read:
9 h 02 min
